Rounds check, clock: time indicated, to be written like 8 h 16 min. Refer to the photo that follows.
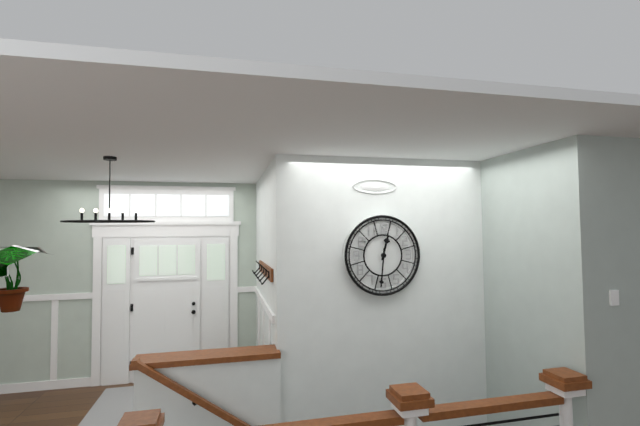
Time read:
12 h 31 min
